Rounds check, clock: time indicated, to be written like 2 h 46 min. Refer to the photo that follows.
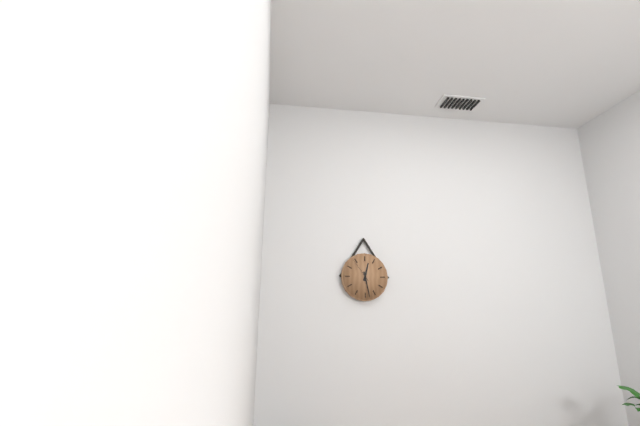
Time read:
12 h 28 min
